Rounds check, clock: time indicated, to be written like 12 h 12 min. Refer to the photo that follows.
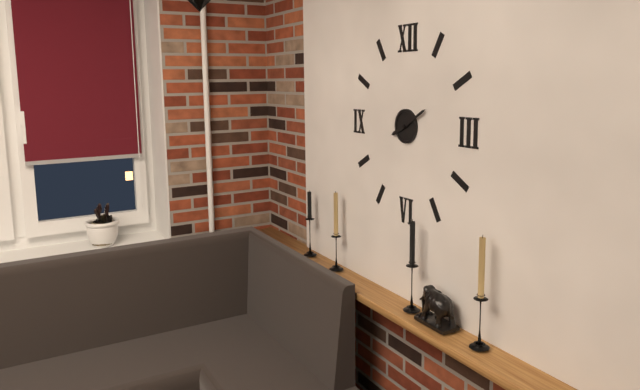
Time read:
8 h 10 min
